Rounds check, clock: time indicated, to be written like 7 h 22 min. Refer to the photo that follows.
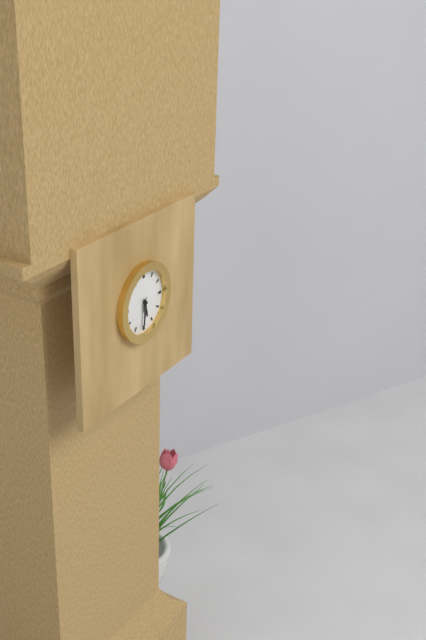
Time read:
5 h 31 min
